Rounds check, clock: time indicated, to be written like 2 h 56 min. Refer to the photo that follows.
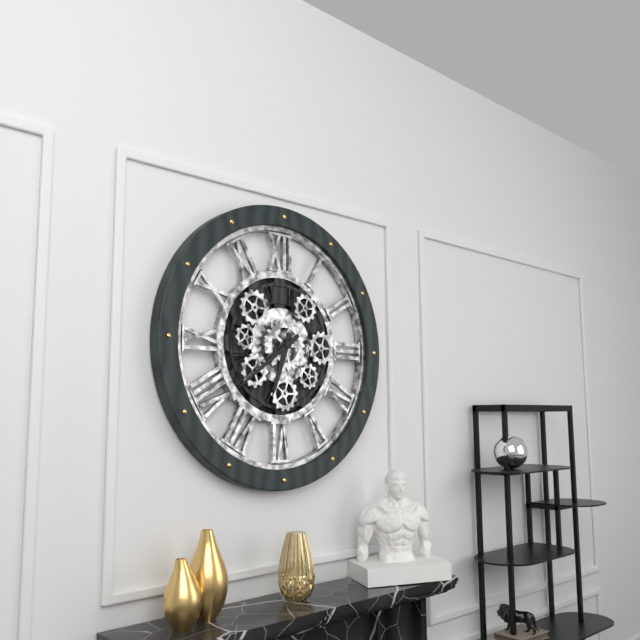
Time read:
6 h 39 min
